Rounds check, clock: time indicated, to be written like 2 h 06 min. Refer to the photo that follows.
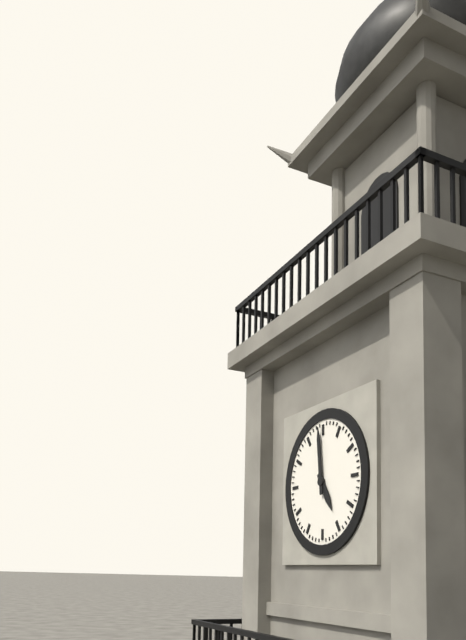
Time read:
4 h 59 min
